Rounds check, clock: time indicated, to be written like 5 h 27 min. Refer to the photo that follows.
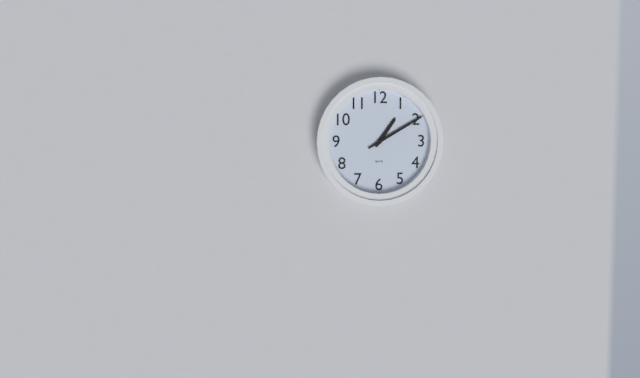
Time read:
1 h 10 min
